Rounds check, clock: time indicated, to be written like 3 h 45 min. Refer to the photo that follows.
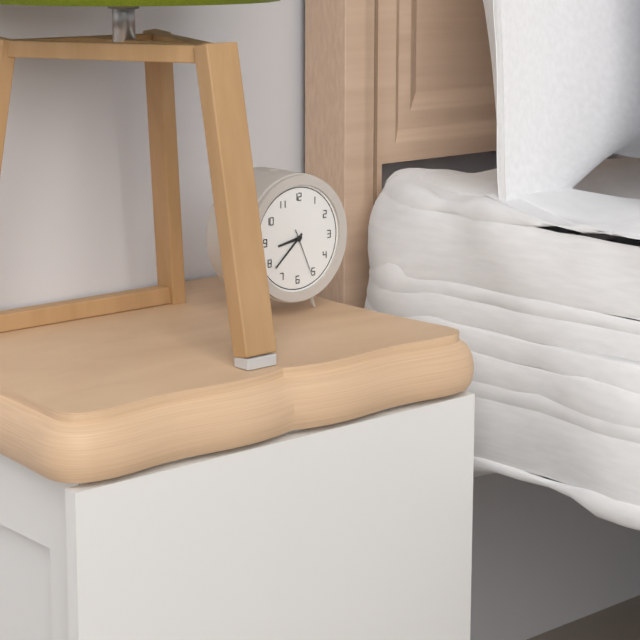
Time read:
8 h 38 min
